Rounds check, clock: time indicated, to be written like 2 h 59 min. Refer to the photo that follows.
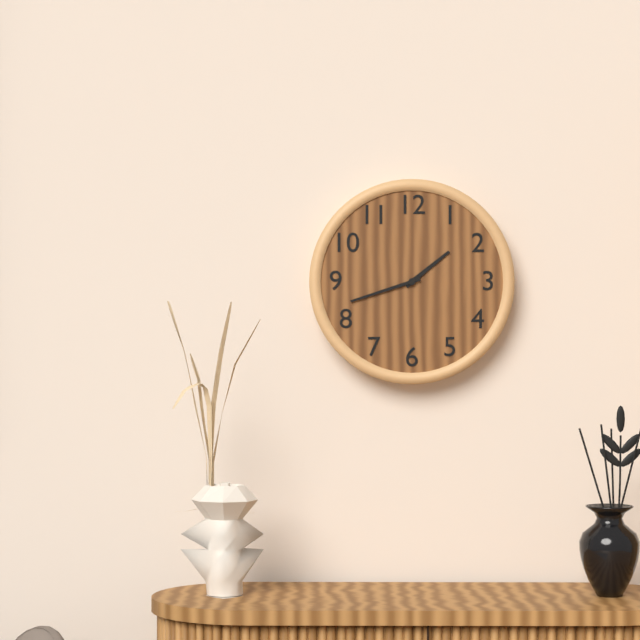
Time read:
1 h 42 min
